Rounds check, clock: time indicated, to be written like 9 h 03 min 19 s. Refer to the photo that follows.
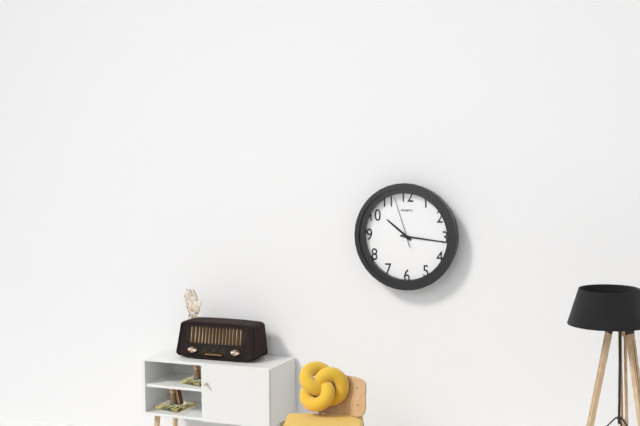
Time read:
10 h 16 min 57 s
